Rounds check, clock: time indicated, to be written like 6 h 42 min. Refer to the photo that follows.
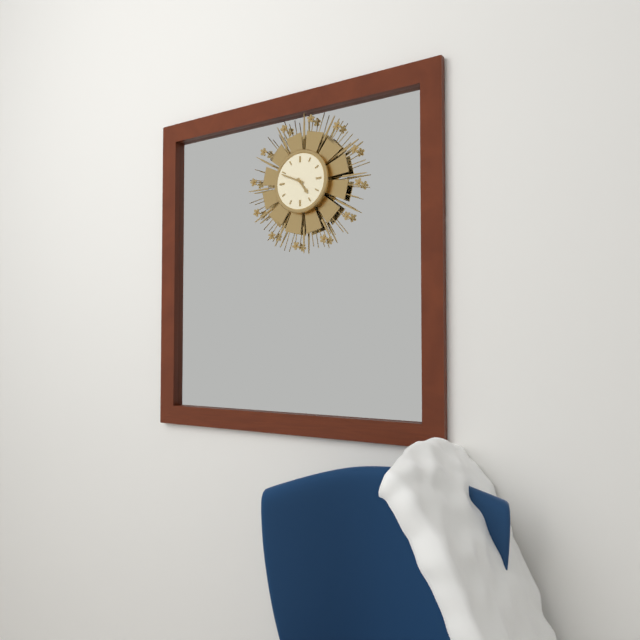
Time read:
4 h 49 min
